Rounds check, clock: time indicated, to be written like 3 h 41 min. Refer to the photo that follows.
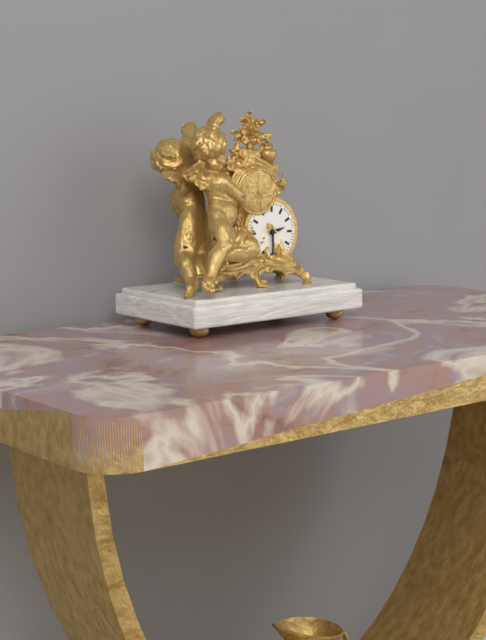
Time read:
2 h 30 min
